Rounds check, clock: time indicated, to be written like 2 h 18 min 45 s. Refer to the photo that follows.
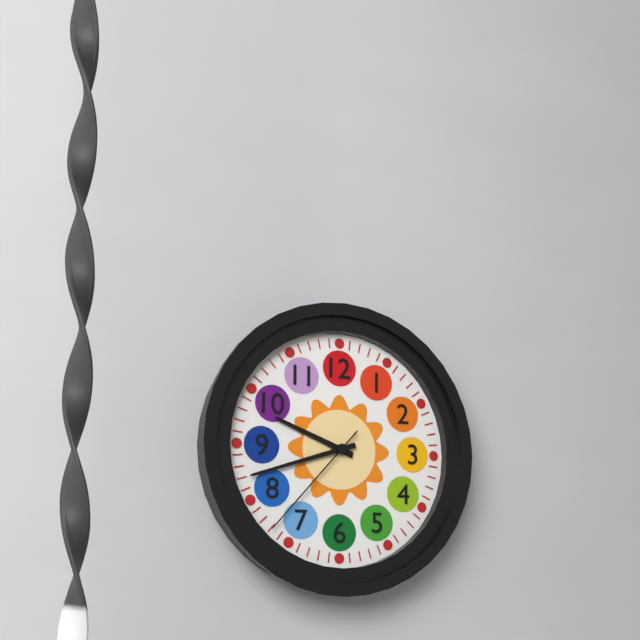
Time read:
9 h 42 min 37 s
